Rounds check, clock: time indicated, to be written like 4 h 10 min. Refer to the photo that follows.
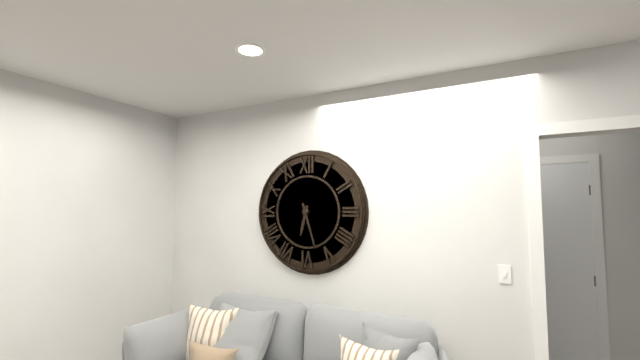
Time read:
6 h 27 min
